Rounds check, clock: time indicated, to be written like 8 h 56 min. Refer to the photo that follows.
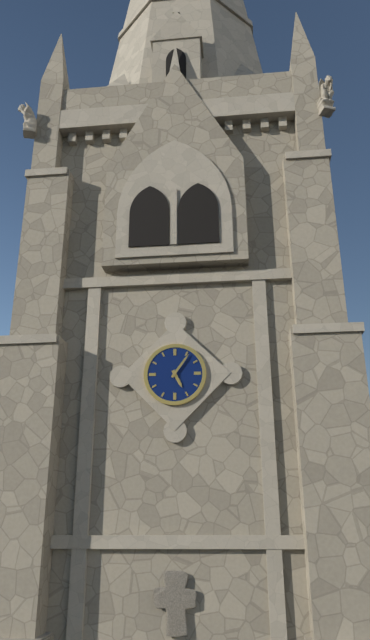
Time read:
5 h 06 min
